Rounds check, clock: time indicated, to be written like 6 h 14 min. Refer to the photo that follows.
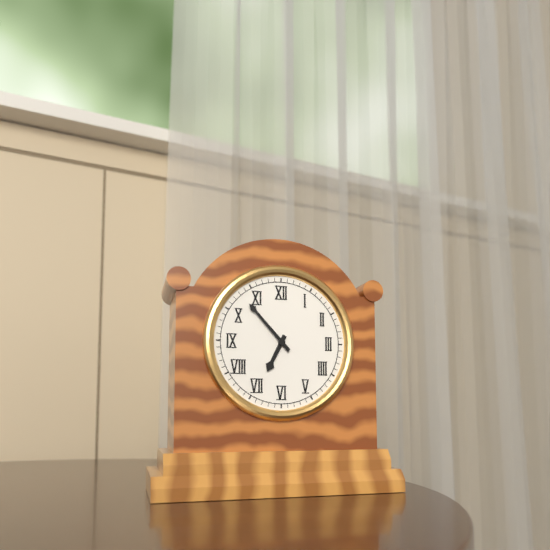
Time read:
6 h 53 min
